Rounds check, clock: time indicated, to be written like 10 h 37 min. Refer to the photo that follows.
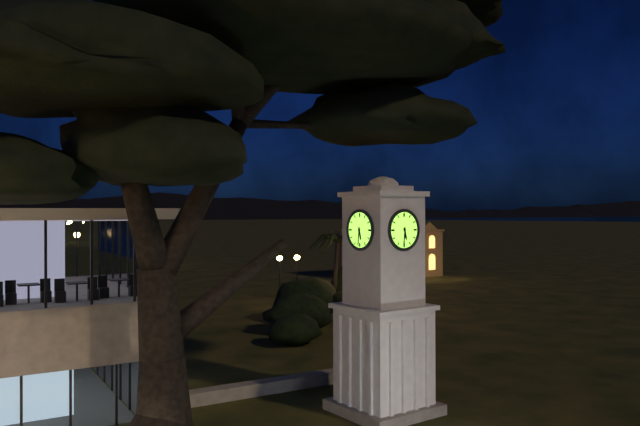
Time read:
5 h 31 min
